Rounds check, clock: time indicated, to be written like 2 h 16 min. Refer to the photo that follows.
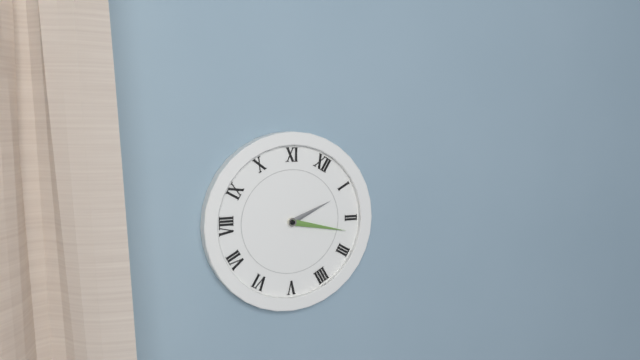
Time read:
1 h 12 min
